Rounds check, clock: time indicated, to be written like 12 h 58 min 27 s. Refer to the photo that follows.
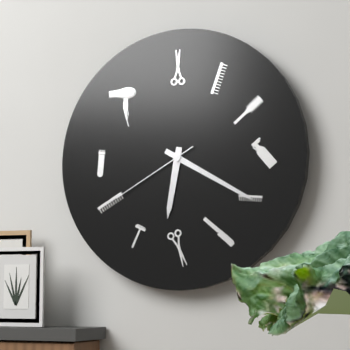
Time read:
6 h 20 min 40 s
